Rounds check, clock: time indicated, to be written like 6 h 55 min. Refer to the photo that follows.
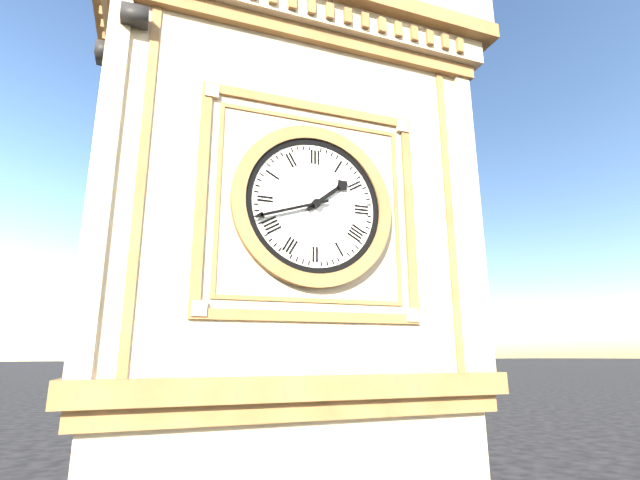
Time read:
1 h 42 min
